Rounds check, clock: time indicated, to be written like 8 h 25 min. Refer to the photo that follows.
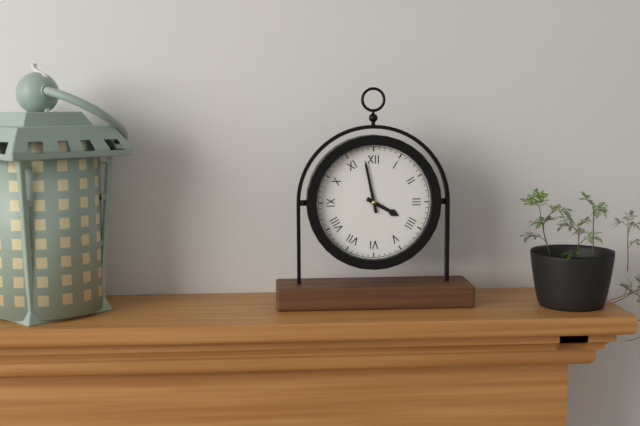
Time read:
3 h 58 min
